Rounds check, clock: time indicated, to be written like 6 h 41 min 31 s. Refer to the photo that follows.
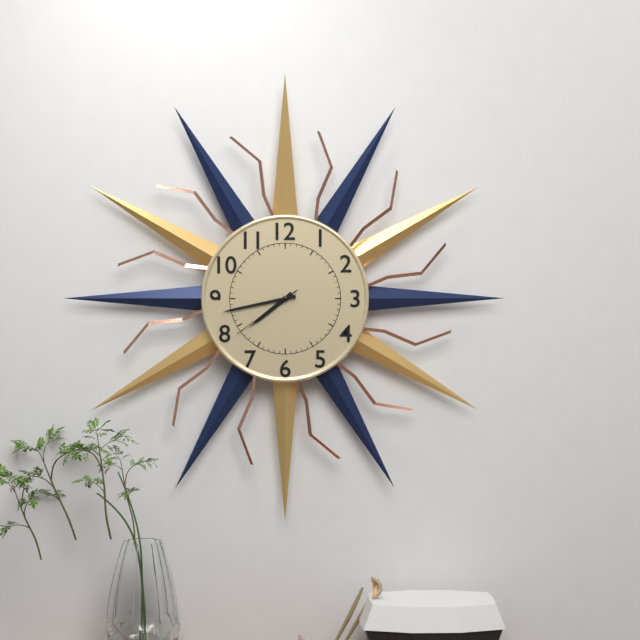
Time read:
7 h 43 min 39 s
